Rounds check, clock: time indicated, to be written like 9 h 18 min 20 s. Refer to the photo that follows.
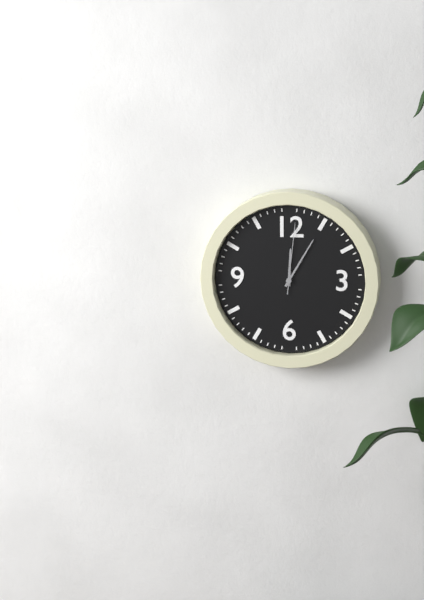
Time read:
12 h 05 min 01 s
